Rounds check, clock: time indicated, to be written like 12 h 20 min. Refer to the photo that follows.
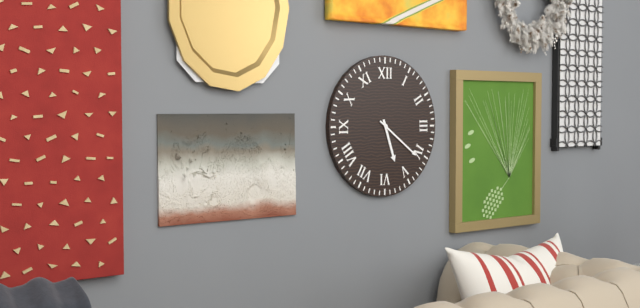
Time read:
5 h 21 min
